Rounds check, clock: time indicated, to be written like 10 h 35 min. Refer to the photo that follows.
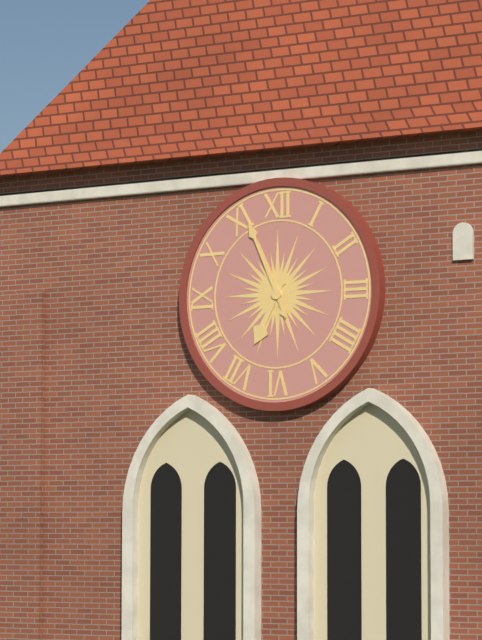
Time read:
6 h 56 min
